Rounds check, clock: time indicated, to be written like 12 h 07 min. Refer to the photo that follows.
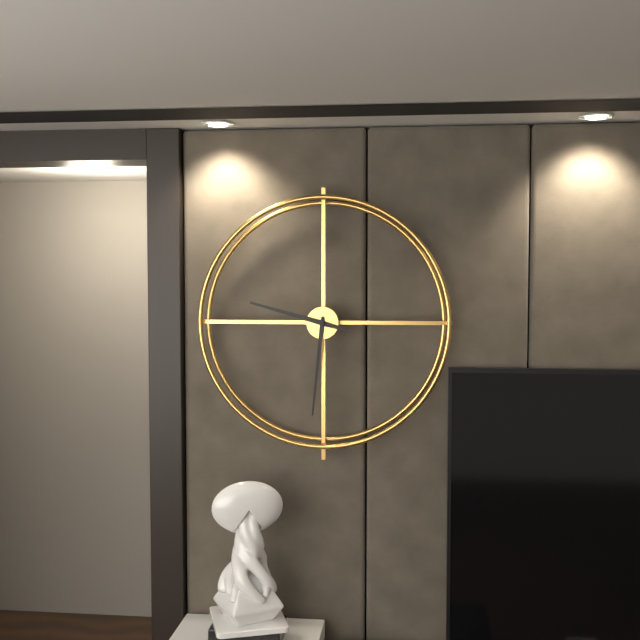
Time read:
9 h 31 min
